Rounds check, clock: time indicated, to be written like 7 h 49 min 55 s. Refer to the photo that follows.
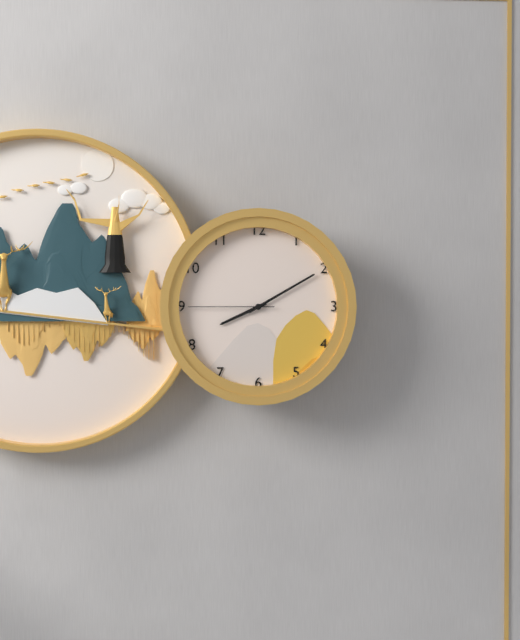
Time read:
8 h 10 min 45 s
